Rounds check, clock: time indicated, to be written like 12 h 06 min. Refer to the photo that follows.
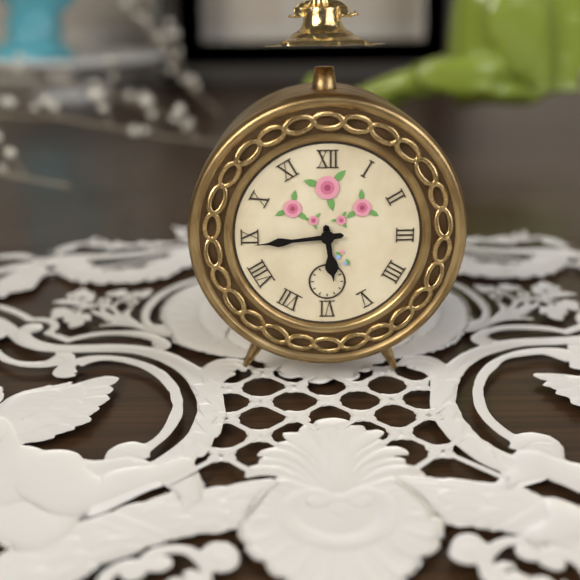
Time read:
5 h 44 min
